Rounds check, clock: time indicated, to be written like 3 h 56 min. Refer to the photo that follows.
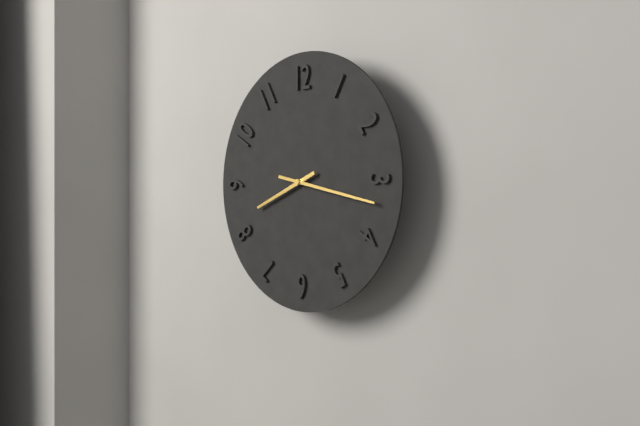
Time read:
8 h 17 min
